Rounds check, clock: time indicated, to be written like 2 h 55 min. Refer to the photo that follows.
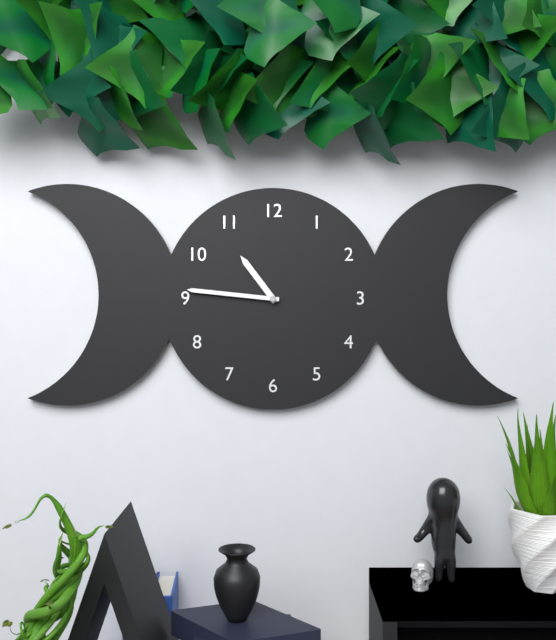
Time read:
10 h 46 min
